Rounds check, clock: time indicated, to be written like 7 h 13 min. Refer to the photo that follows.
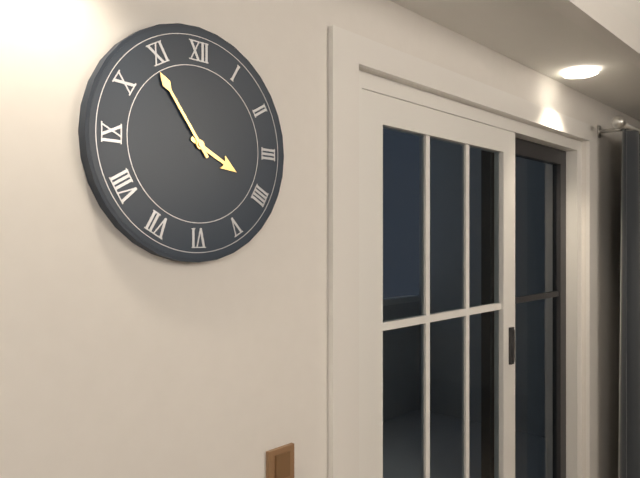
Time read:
3 h 54 min
